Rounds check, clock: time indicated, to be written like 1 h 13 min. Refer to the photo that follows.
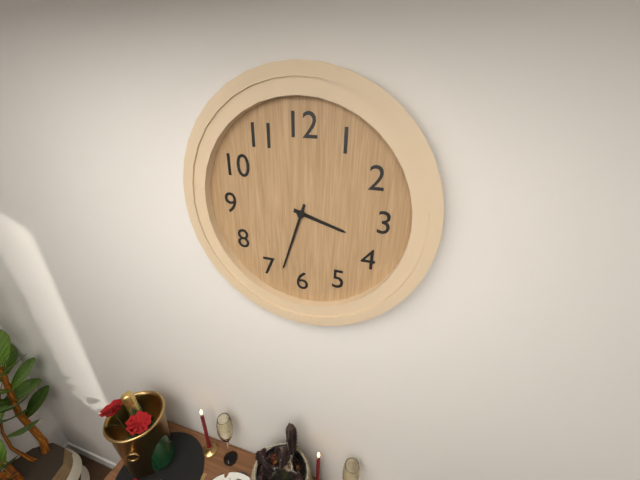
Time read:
3 h 33 min
